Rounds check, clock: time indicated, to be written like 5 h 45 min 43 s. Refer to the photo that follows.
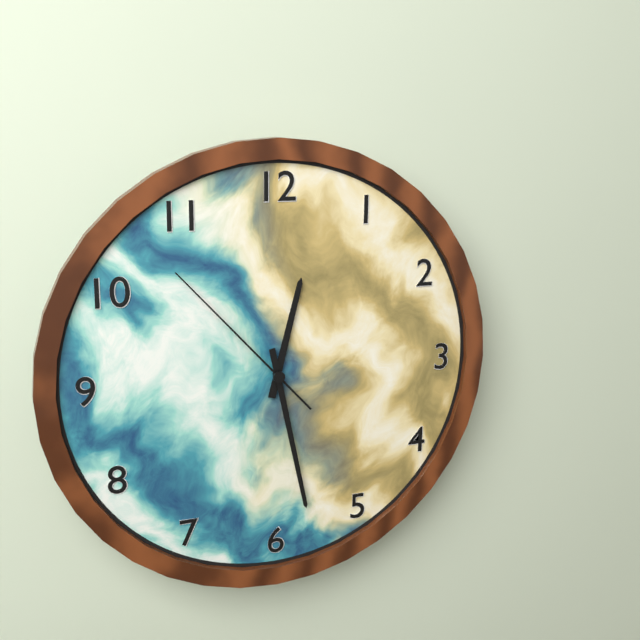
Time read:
12 h 28 min 53 s
